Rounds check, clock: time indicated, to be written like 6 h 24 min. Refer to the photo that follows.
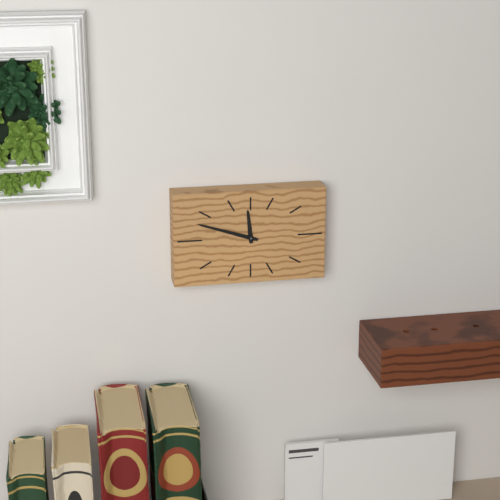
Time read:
11 h 48 min
